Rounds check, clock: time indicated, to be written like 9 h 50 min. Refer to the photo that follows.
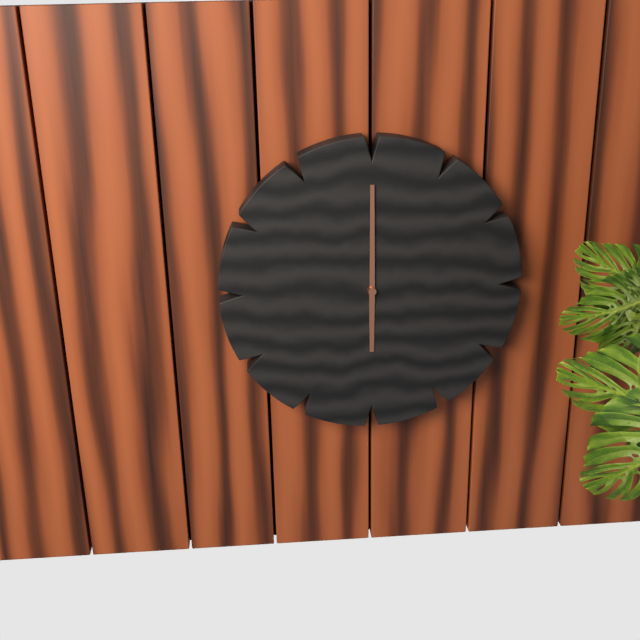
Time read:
6 h 00 min
